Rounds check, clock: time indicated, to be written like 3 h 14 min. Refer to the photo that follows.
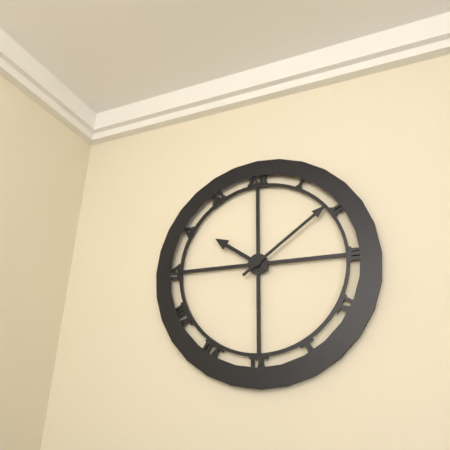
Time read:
10 h 09 min
